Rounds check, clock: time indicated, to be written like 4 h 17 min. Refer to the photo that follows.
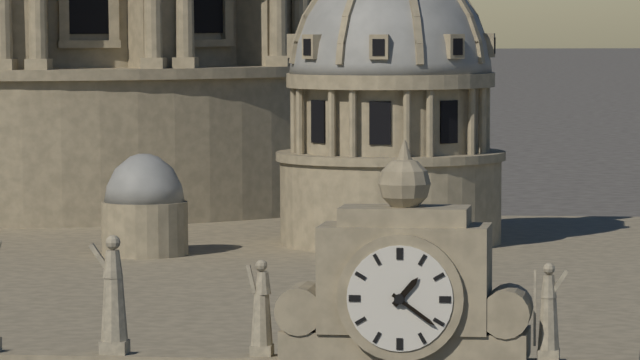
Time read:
1 h 21 min
